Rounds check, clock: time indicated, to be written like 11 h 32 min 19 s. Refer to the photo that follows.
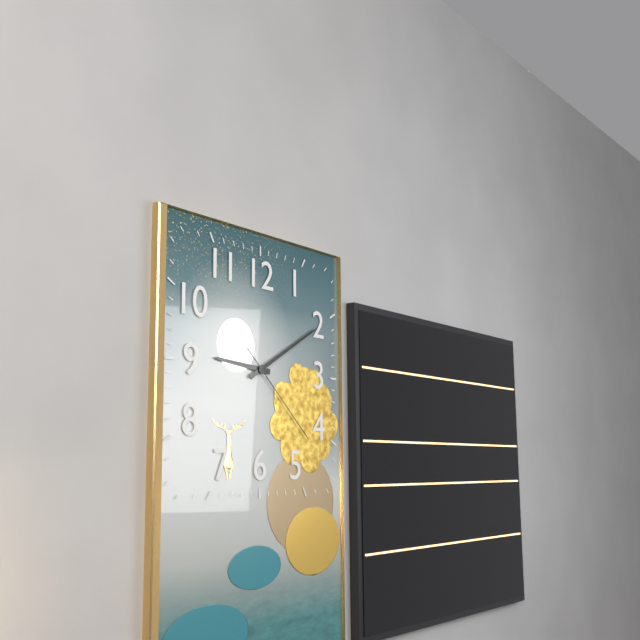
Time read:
9 h 10 min 22 s
